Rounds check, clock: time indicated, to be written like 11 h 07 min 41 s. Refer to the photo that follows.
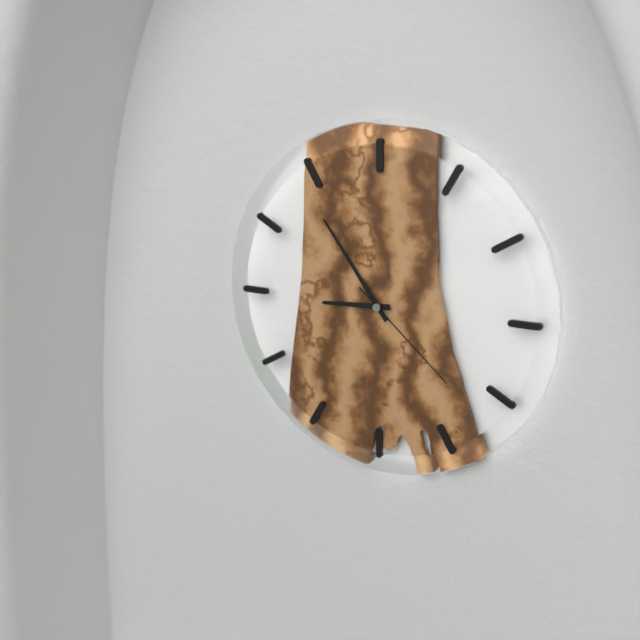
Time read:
8 h 54 min 22 s
